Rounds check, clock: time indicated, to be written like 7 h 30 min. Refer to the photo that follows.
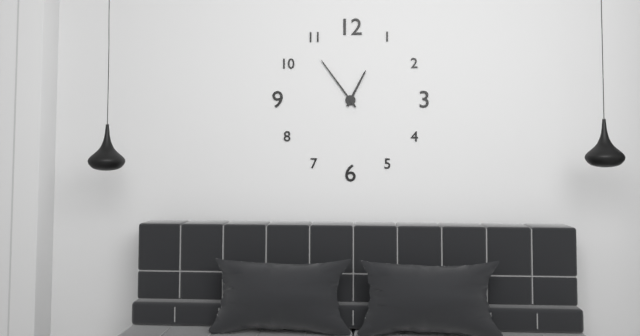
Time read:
12 h 54 min
